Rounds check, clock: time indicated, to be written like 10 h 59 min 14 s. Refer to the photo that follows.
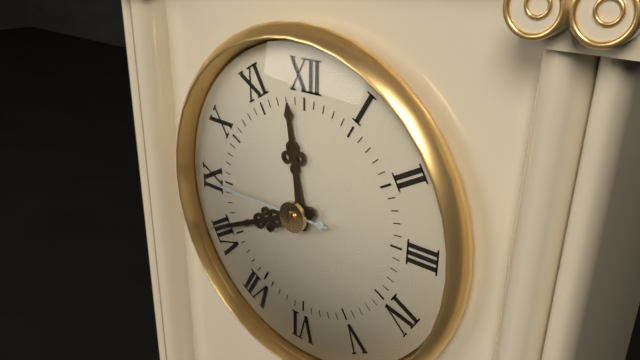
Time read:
11 h 41 min 45 s
